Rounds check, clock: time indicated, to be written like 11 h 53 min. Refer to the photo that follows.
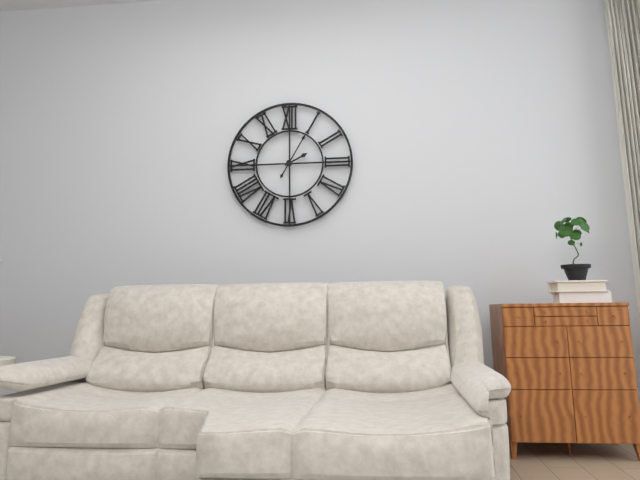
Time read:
2 h 05 min
